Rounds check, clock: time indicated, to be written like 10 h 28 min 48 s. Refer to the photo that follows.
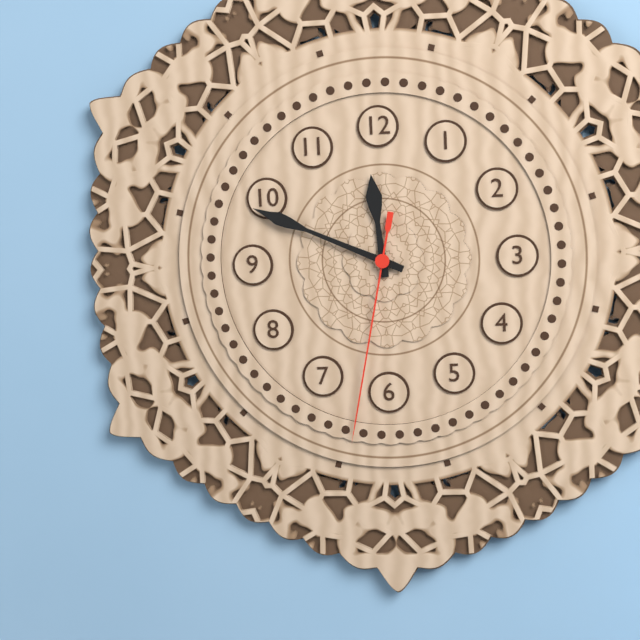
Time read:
11 h 49 min 32 s
